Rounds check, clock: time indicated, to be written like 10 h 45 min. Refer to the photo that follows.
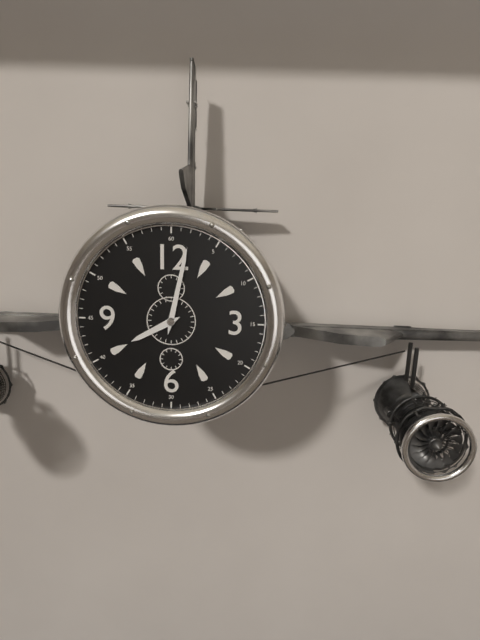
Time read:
8 h 02 min
